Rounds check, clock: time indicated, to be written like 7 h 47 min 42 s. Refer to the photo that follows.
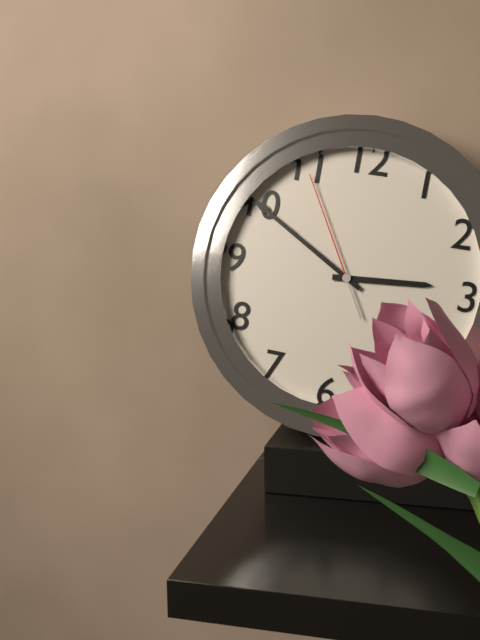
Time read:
2 h 50 min 55 s
